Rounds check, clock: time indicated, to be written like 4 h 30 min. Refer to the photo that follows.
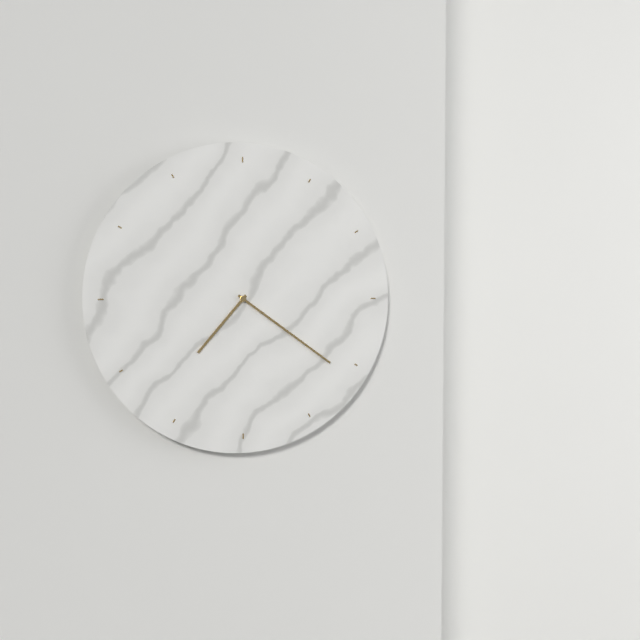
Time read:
7 h 21 min
